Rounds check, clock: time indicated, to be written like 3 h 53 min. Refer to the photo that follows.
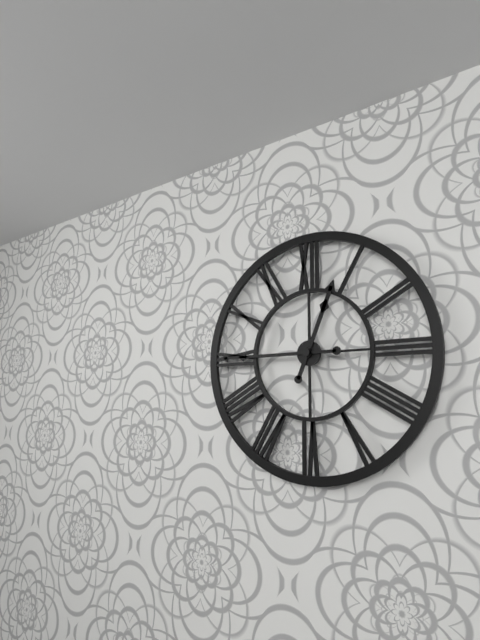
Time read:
12 h 45 min
